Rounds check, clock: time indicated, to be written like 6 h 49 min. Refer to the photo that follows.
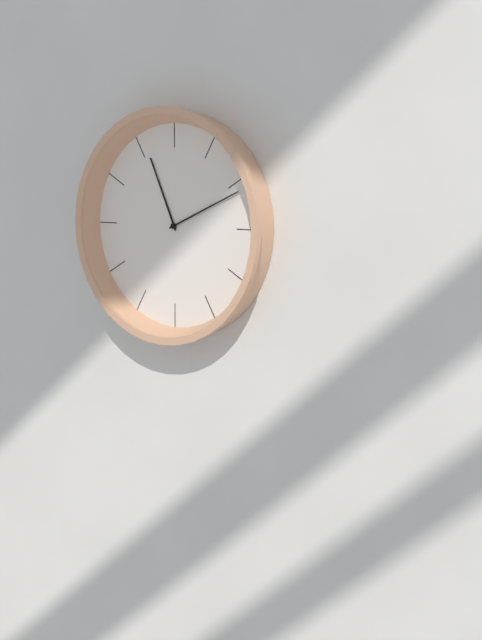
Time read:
11 h 11 min
